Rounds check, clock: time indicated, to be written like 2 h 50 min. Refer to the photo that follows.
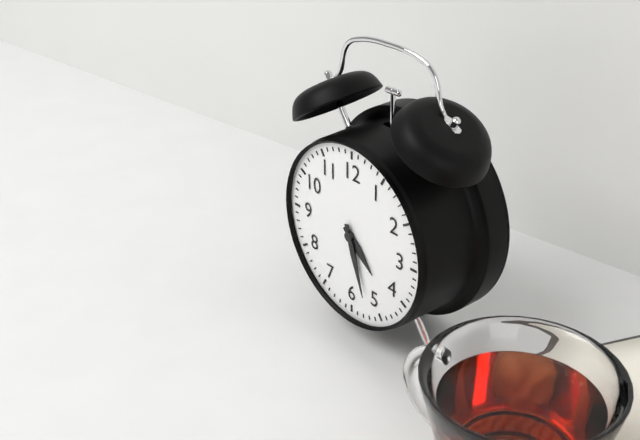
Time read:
4 h 27 min
